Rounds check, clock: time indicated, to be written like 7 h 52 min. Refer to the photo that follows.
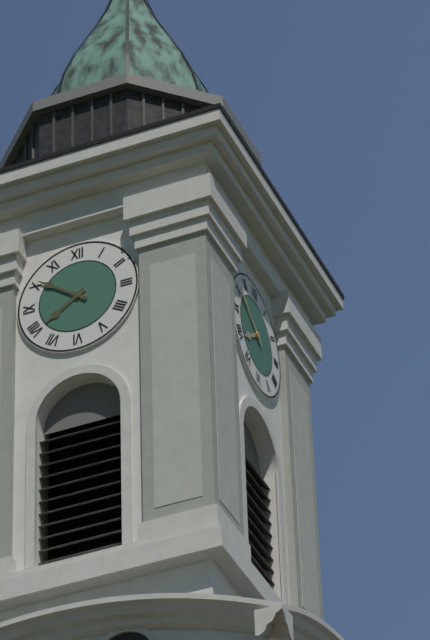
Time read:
7 h 51 min
